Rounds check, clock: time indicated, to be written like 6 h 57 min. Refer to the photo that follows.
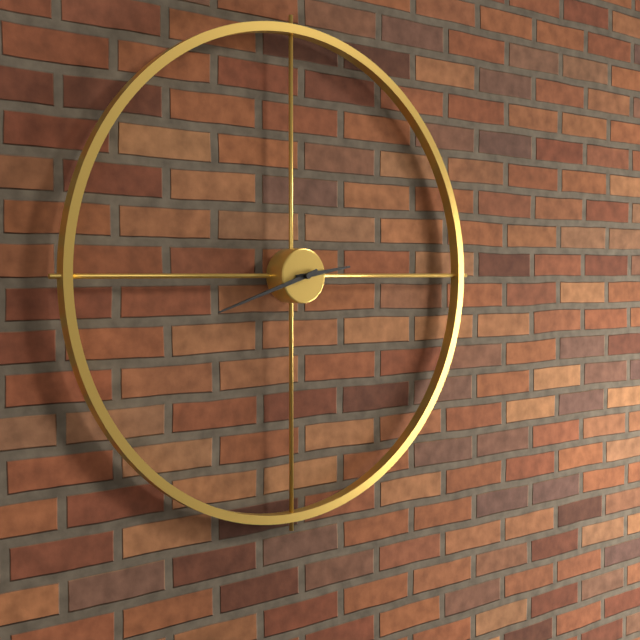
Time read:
2 h 42 min
